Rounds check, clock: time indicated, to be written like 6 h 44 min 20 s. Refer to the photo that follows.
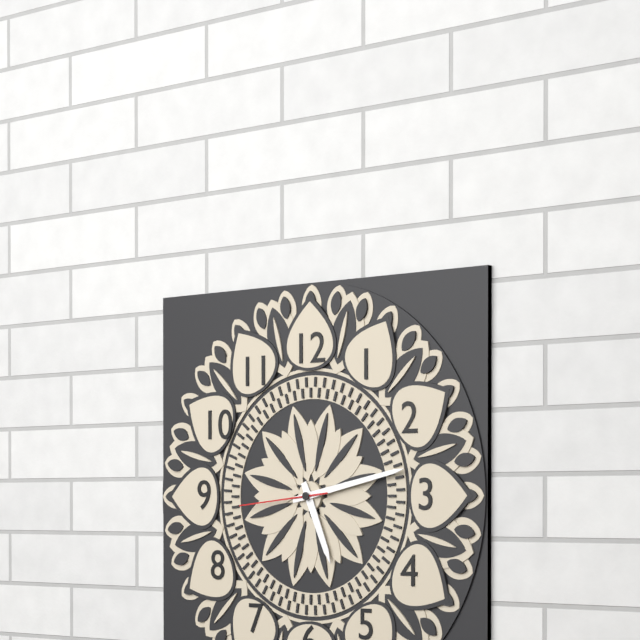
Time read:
5 h 13 min 44 s
